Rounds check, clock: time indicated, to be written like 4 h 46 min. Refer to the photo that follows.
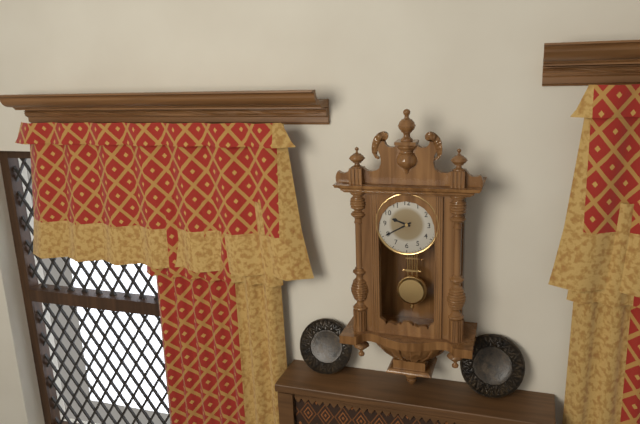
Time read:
9 h 40 min
